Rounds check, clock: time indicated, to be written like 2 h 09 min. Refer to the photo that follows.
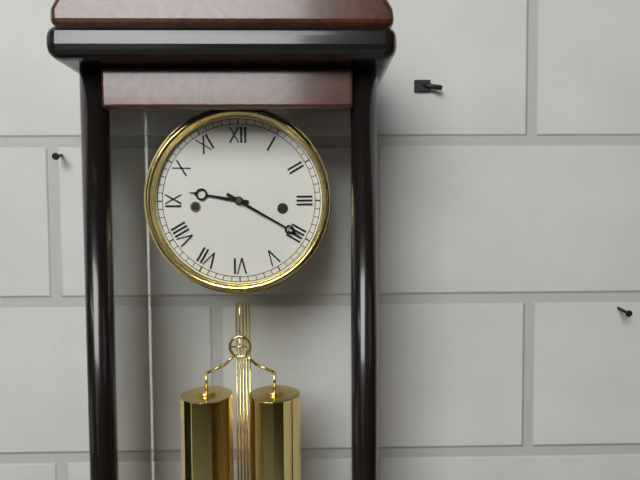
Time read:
9 h 20 min
